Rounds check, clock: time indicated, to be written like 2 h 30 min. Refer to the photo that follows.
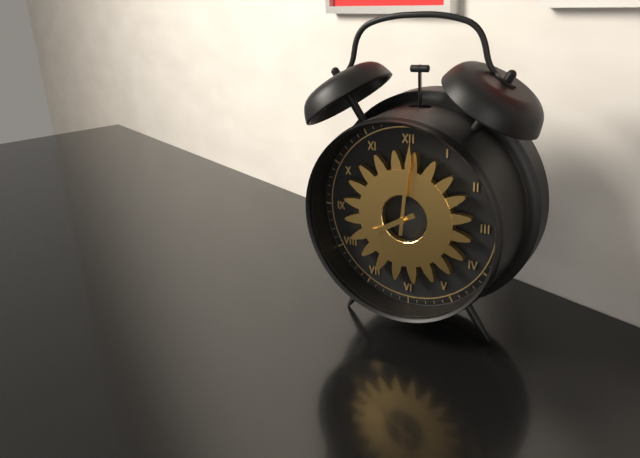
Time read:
8 h 01 min
